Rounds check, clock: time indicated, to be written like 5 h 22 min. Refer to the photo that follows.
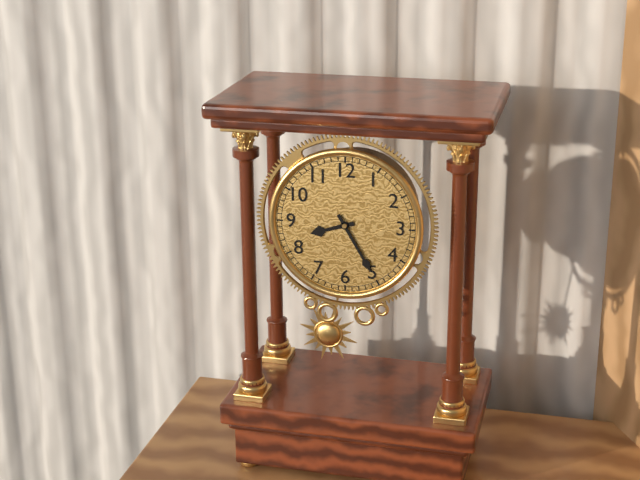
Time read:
8 h 25 min
